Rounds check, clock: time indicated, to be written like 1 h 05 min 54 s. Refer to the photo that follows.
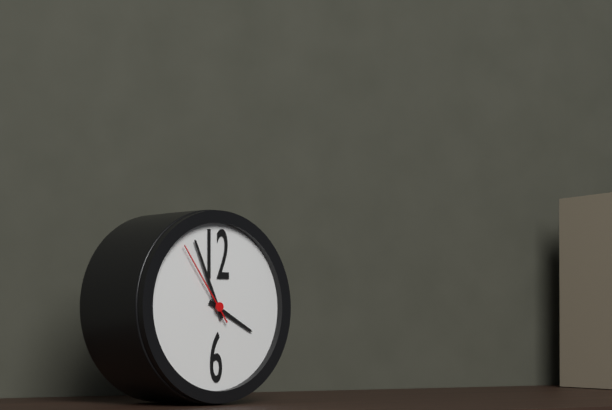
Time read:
3 h 56 min 54 s
